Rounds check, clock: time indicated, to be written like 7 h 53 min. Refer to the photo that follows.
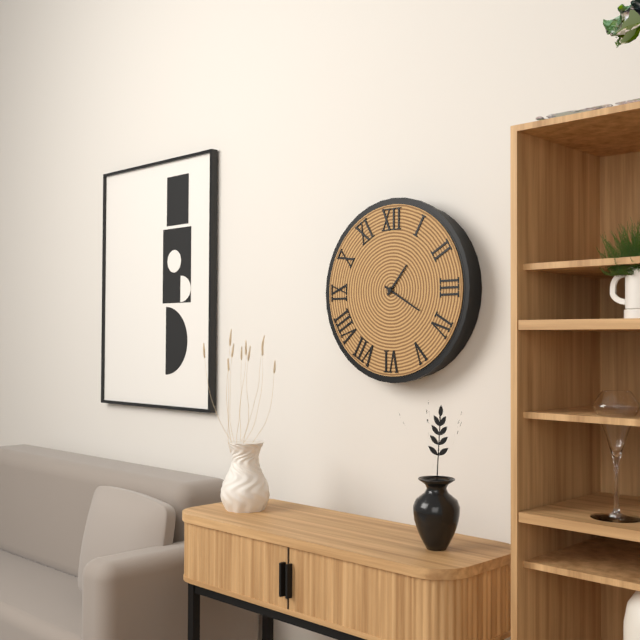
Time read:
1 h 20 min
